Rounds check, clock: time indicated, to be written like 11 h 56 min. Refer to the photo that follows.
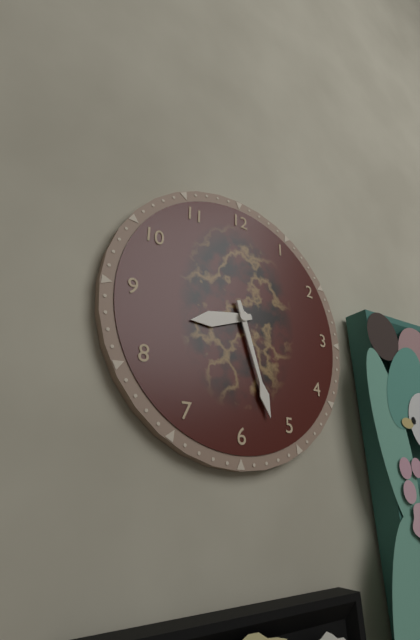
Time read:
8 h 27 min
